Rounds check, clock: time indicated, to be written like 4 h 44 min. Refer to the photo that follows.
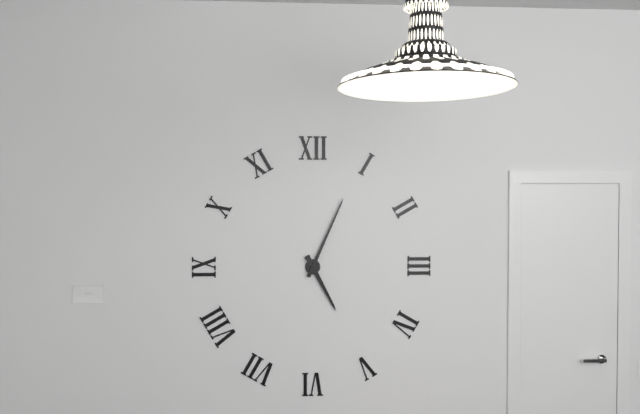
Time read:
5 h 04 min
